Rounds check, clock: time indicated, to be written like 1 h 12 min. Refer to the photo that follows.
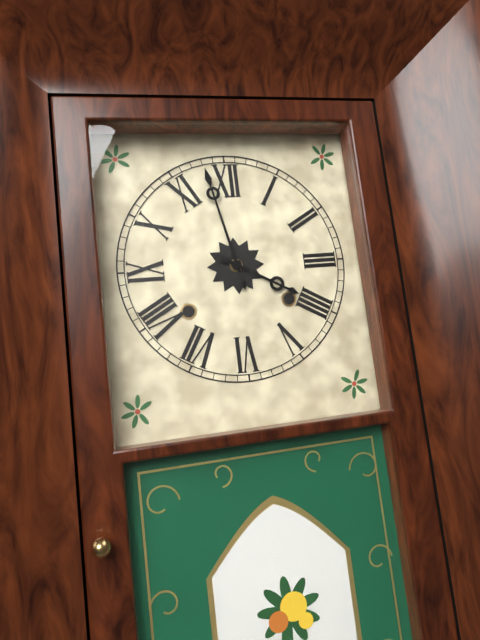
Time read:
3 h 58 min
